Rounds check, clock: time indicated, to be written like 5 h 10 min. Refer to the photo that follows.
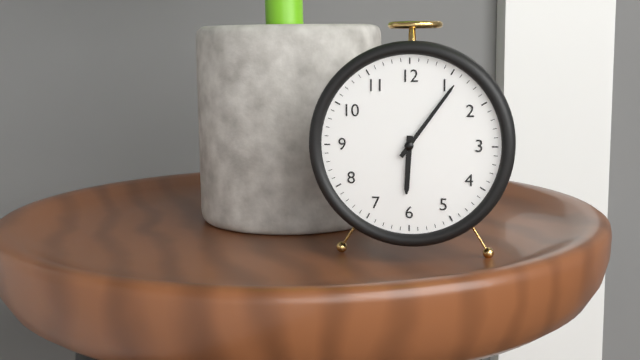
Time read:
6 h 06 min
